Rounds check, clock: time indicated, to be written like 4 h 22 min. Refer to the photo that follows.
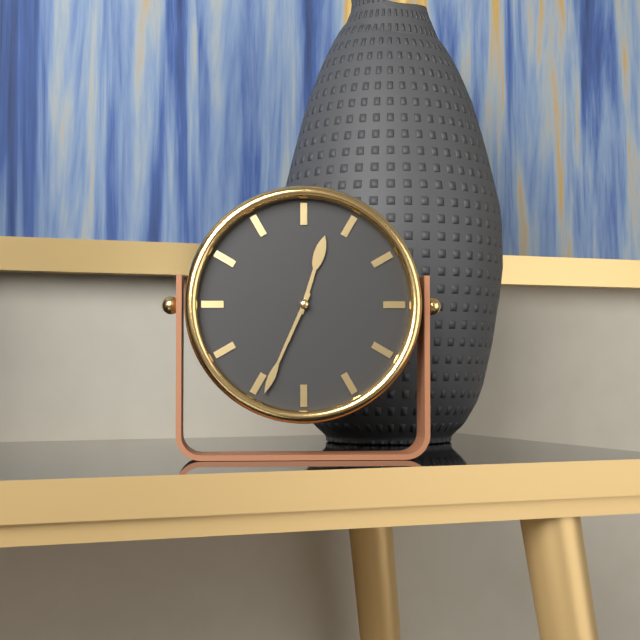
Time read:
12 h 34 min
